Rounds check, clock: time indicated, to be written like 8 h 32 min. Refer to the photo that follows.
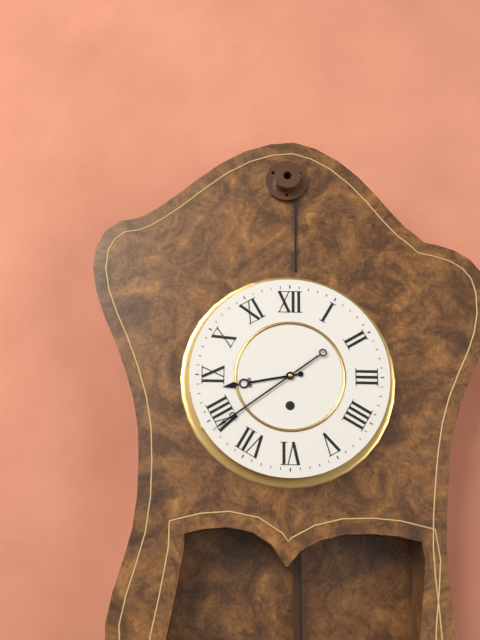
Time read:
8 h 39 min
